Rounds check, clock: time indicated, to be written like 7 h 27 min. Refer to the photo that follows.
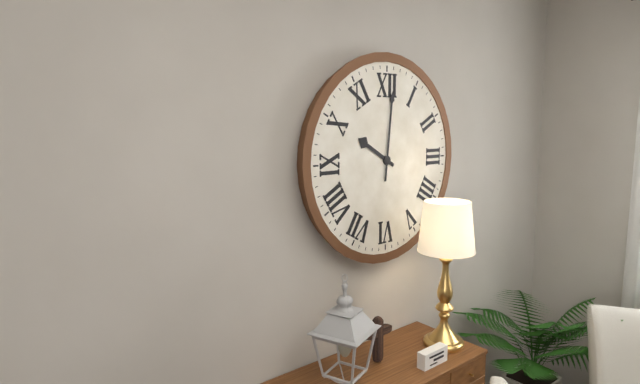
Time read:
10 h 01 min
